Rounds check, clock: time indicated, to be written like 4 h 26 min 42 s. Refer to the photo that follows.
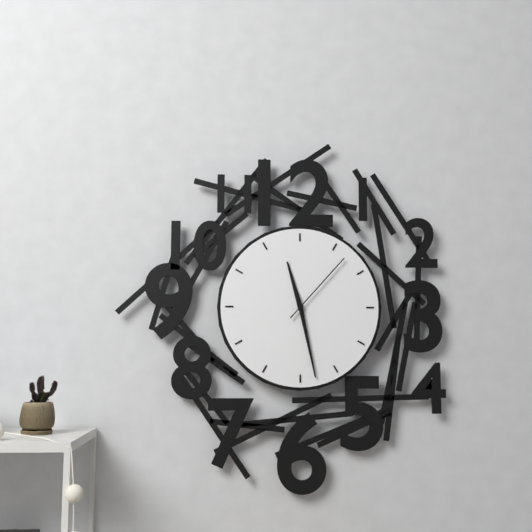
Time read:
11 h 28 min 07 s
